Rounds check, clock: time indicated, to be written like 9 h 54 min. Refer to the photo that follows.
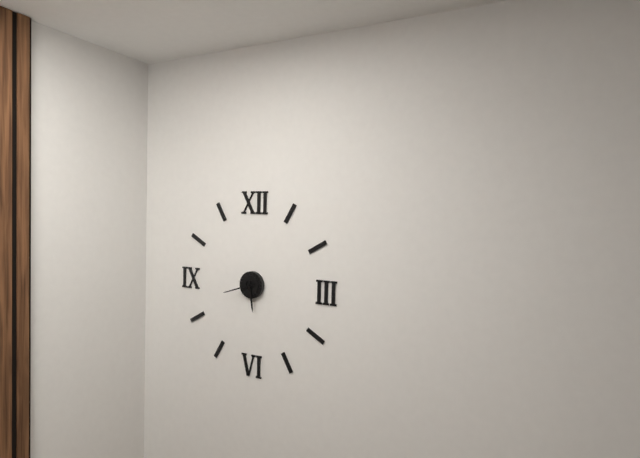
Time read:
5 h 42 min
